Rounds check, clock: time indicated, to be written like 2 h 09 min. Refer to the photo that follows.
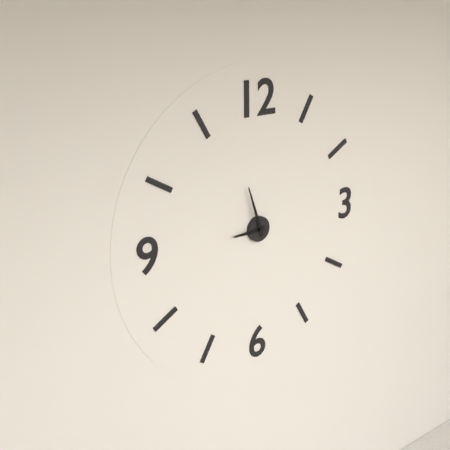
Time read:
8 h 57 min
